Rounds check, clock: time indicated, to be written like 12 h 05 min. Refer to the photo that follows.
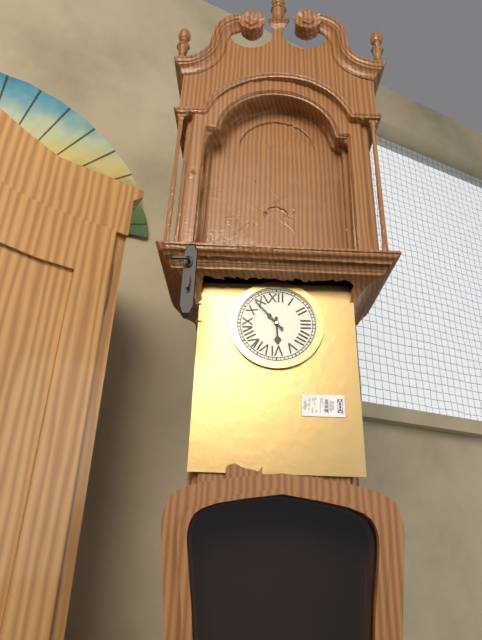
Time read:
5 h 53 min
